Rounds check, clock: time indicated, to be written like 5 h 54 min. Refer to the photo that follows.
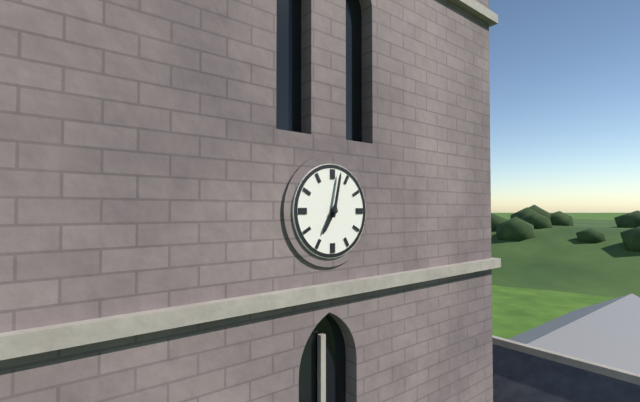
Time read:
7 h 02 min
